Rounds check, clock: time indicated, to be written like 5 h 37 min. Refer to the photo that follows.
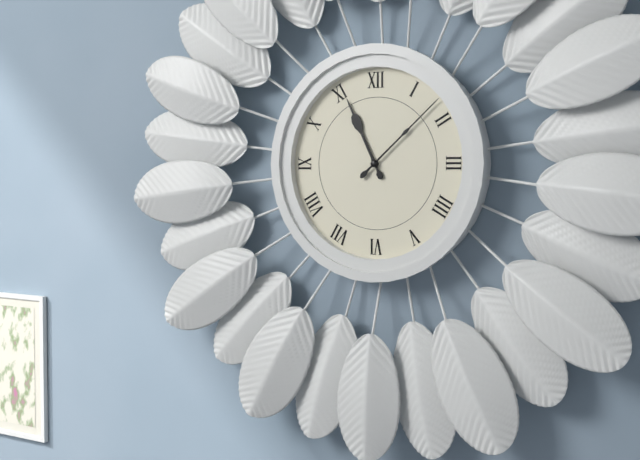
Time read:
11 h 08 min
